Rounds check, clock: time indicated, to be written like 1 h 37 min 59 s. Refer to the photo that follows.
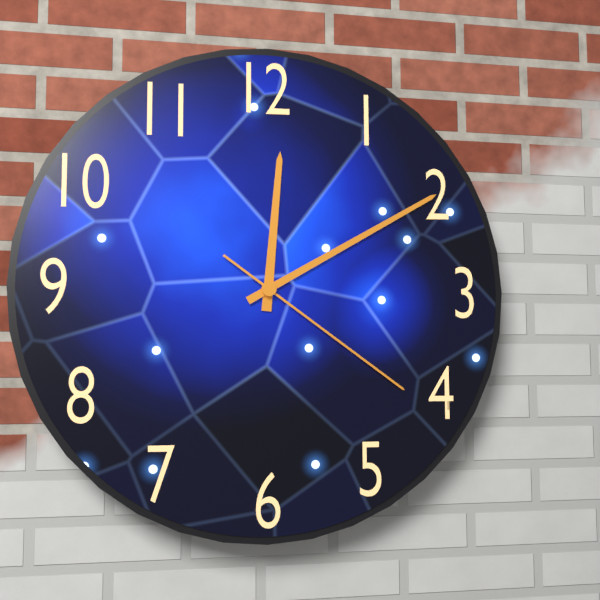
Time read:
12 h 10 min 21 s
